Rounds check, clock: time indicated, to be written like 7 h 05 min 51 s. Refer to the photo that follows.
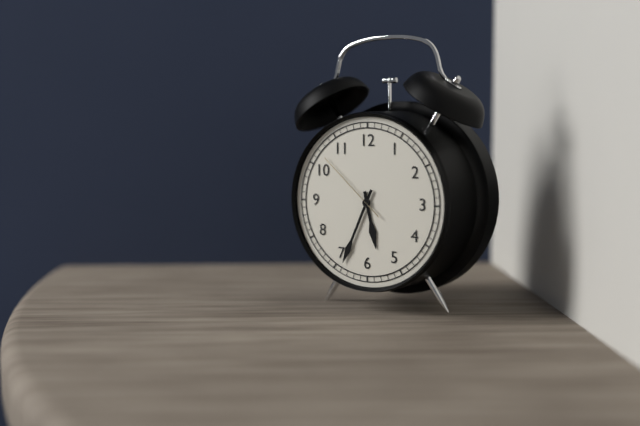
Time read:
5 h 34 min 52 s
